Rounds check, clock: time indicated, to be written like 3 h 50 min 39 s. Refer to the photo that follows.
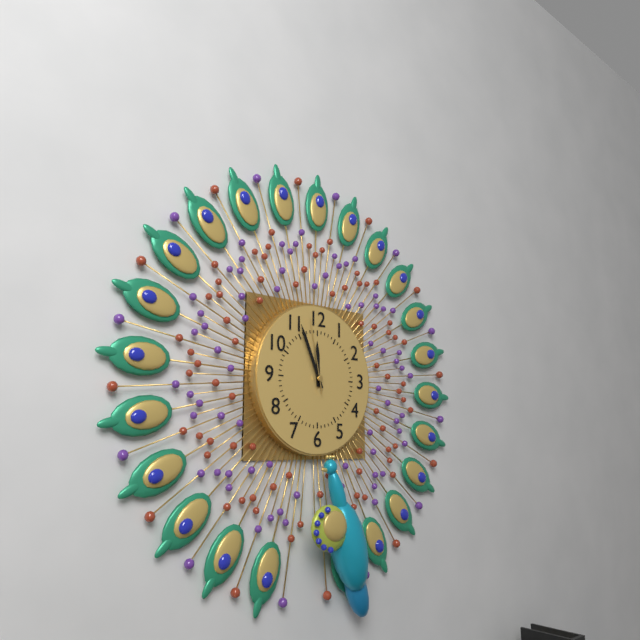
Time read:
11 h 56 min 58 s
